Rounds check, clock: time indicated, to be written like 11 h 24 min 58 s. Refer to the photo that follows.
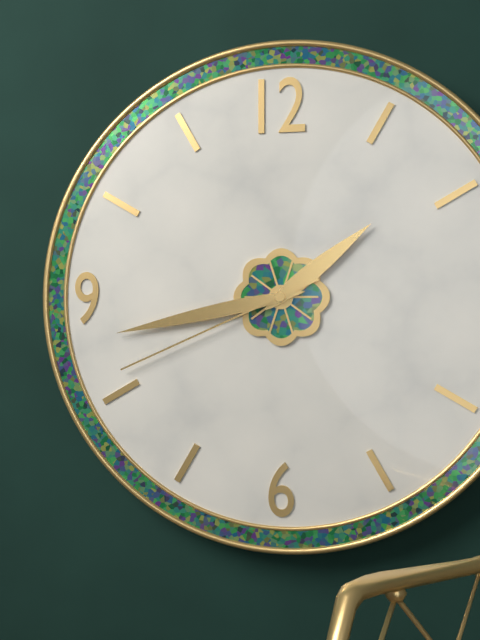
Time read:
1 h 43 min 41 s
